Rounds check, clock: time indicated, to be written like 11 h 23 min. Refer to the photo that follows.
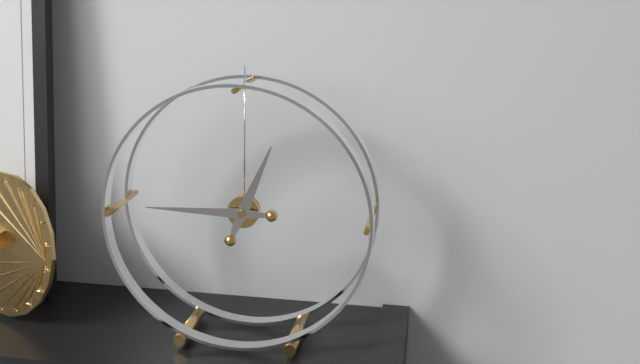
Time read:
12 h 45 min
